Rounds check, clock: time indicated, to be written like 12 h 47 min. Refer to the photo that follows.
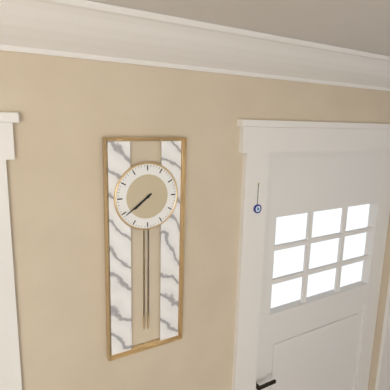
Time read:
7 h 39 min
